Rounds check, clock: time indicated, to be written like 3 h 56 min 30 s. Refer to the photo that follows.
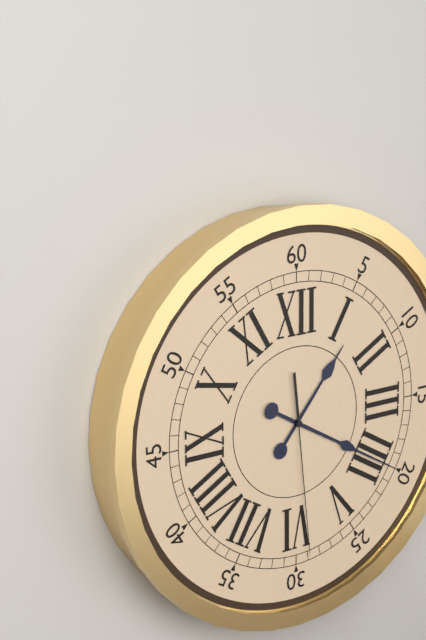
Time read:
1 h 20 min 29 s
